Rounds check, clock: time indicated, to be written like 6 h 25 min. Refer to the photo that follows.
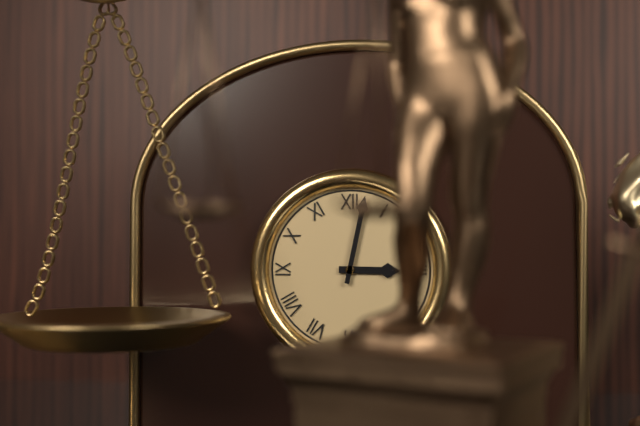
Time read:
3 h 02 min
